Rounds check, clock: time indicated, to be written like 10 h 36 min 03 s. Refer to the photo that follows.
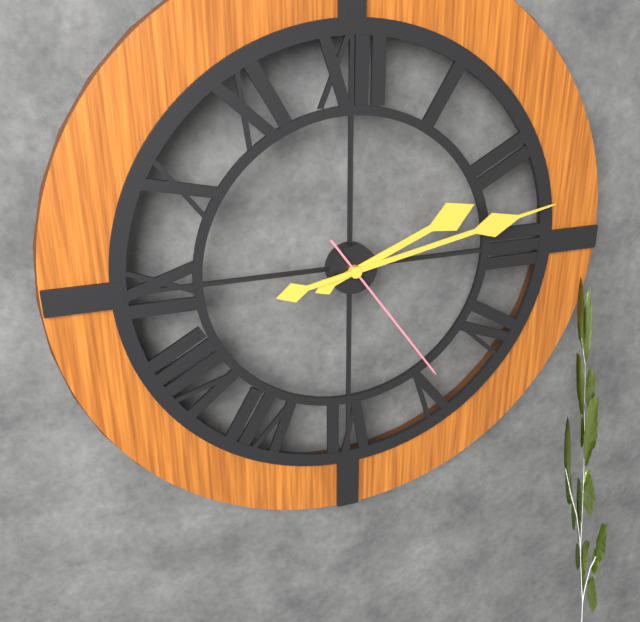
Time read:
2 h 13 min 24 s
